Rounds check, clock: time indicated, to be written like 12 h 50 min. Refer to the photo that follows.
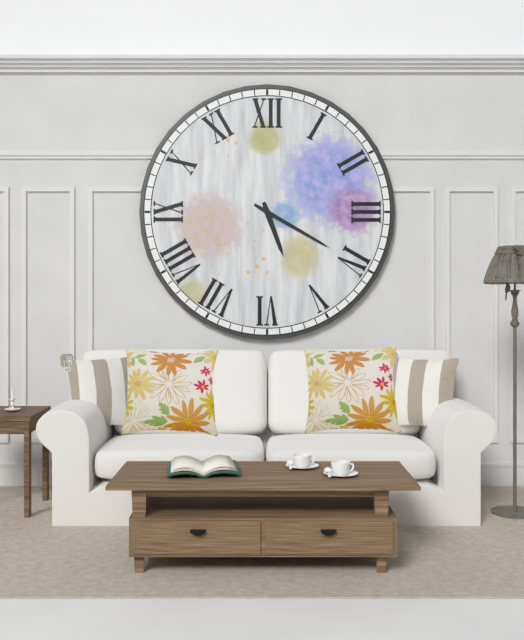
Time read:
5 h 20 min
